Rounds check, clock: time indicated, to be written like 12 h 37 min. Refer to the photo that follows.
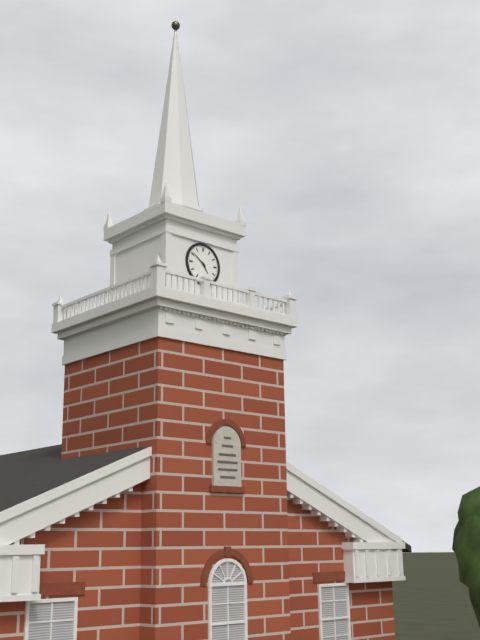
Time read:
4 h 51 min
